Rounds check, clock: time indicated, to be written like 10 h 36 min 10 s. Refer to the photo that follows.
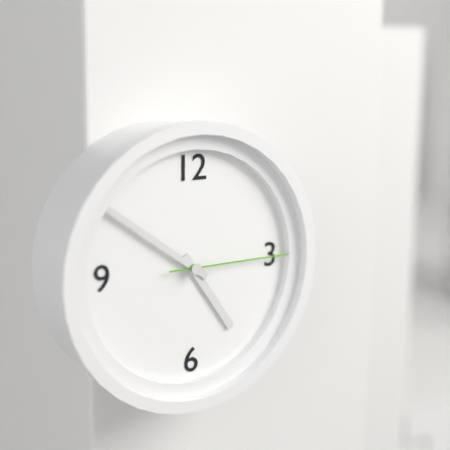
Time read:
4 h 51 min 15 s
